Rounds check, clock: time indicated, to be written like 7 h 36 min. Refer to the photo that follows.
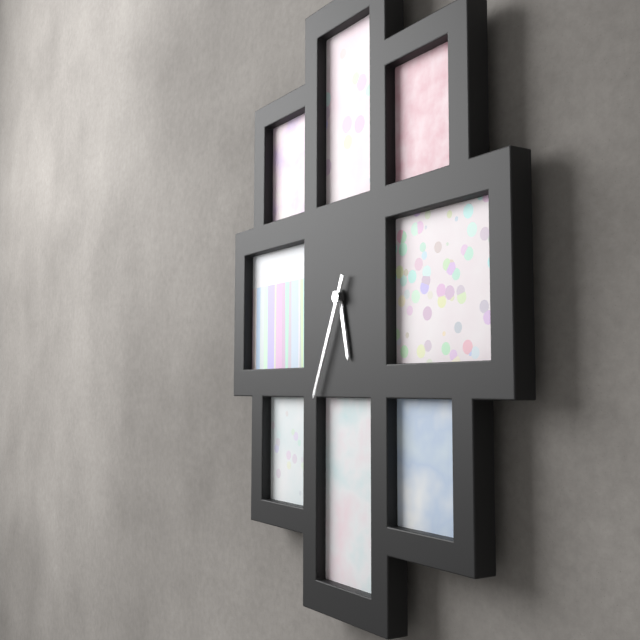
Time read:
5 h 34 min
